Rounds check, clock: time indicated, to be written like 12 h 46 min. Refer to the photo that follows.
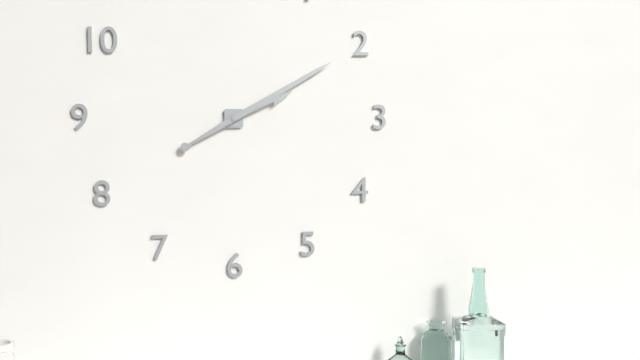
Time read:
2 h 10 min
